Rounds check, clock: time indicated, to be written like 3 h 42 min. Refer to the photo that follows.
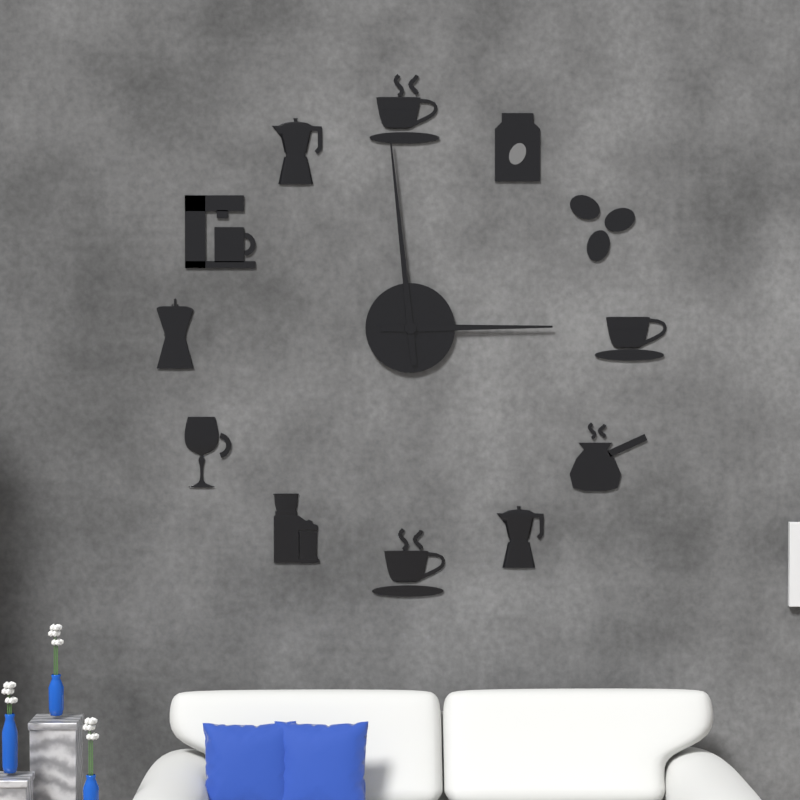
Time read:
2 h 59 min
